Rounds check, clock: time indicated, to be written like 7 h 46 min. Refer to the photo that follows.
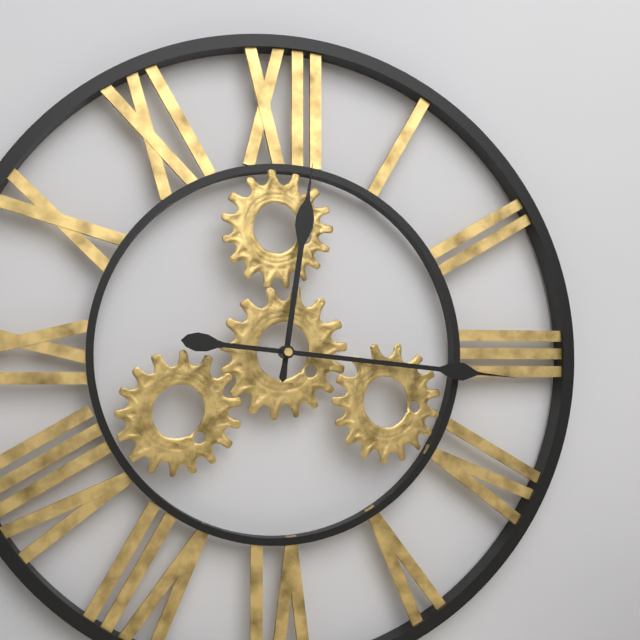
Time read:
12 h 16 min
